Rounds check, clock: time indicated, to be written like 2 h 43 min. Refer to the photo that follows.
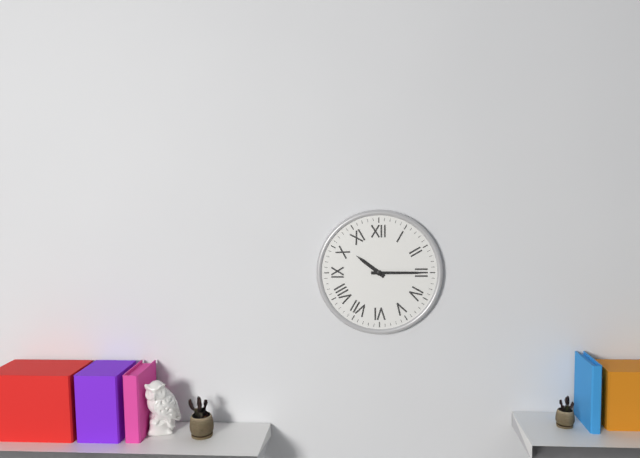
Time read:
10 h 15 min
